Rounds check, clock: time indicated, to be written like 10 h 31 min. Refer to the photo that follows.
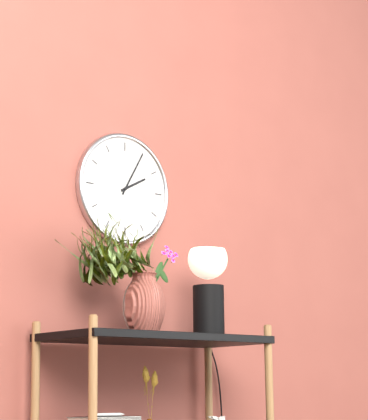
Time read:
2 h 05 min
